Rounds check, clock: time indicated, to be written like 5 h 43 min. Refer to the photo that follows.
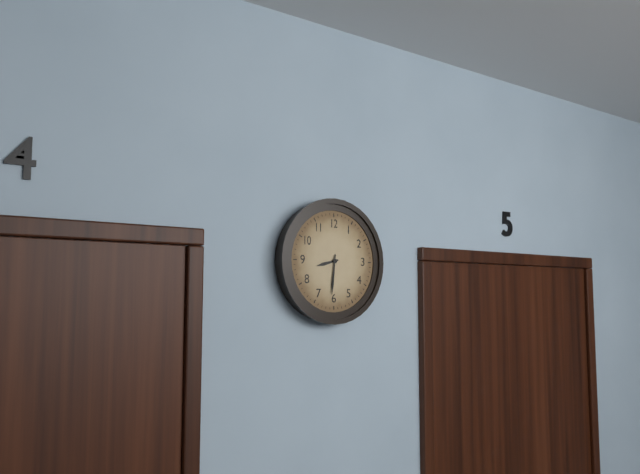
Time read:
8 h 31 min
